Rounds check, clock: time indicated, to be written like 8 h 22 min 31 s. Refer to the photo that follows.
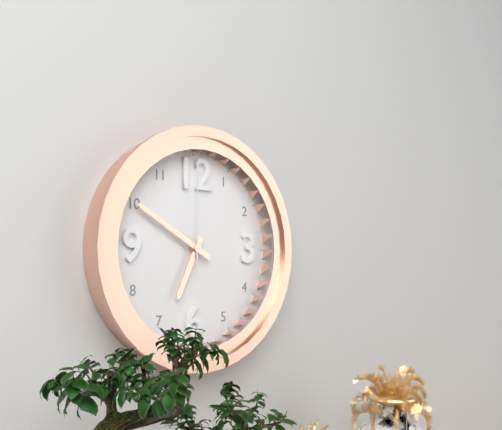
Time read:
6 h 50 min 00 s
